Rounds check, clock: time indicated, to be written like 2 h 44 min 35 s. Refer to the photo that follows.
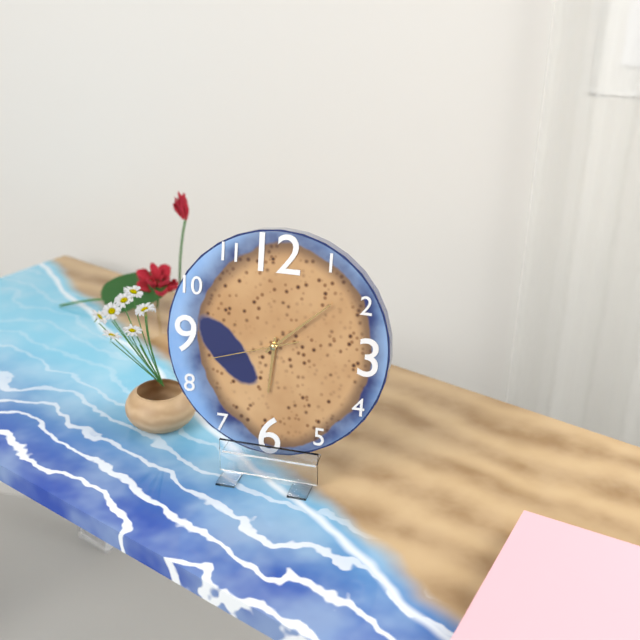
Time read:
6 h 08 min 42 s
